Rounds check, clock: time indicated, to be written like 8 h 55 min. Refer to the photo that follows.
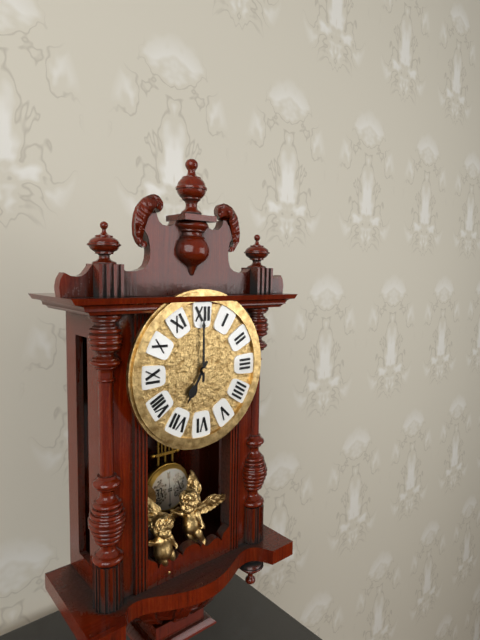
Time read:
7 h 00 min
